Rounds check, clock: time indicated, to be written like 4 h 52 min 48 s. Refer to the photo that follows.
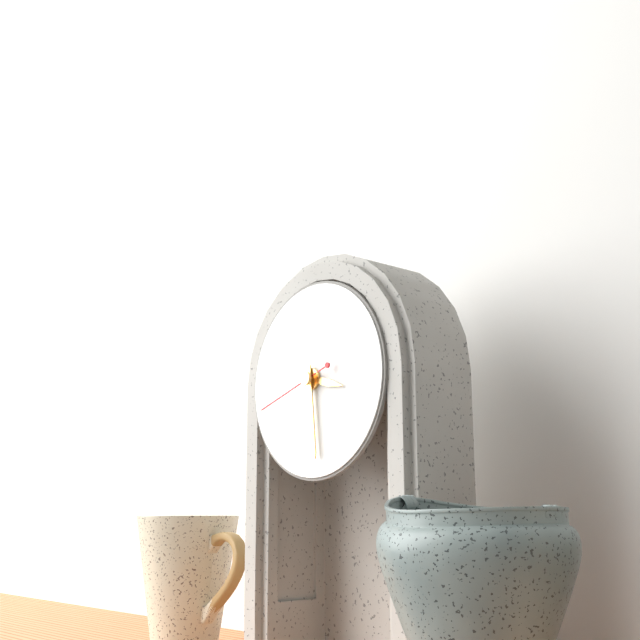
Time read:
3 h 29 min 42 s
